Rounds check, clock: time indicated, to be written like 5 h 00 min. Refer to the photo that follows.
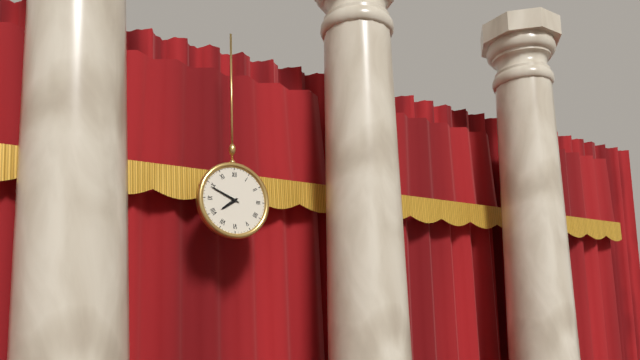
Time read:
7 h 49 min
